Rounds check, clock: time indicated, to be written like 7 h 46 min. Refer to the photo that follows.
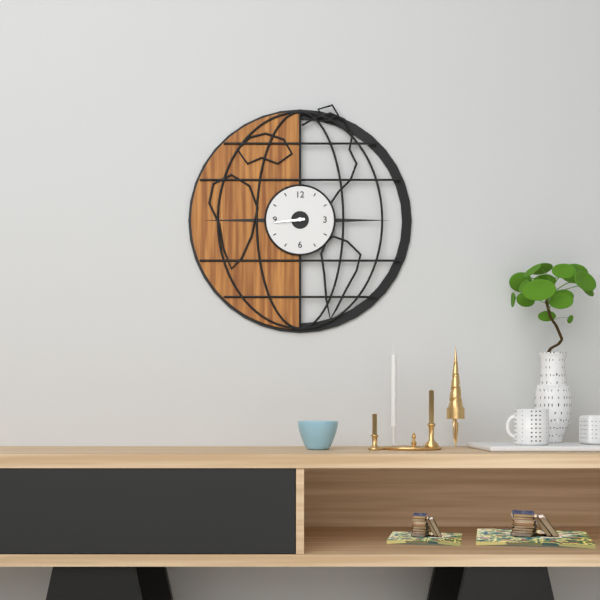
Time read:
8 h 44 min
